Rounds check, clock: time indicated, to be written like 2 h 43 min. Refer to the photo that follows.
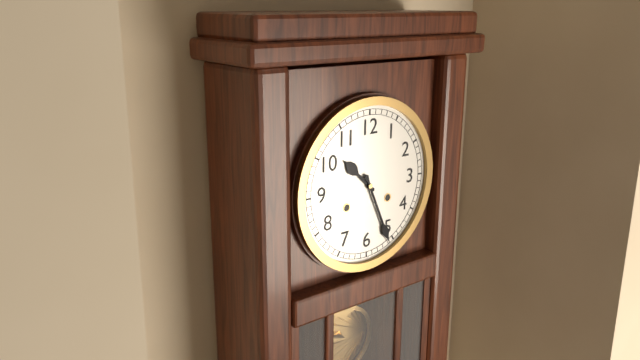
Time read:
10 h 26 min
